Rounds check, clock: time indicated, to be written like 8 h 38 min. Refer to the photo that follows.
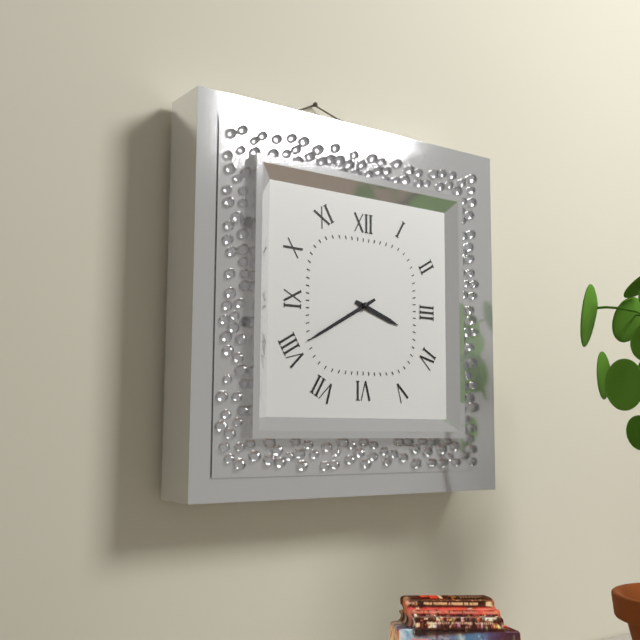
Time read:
3 h 40 min
